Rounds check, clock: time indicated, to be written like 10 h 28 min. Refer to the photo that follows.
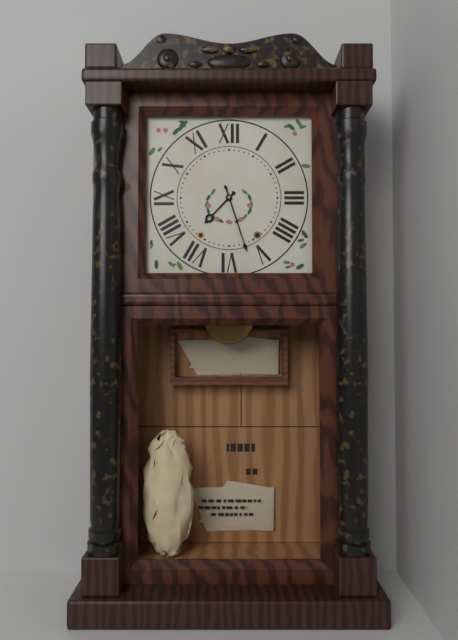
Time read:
7 h 27 min
